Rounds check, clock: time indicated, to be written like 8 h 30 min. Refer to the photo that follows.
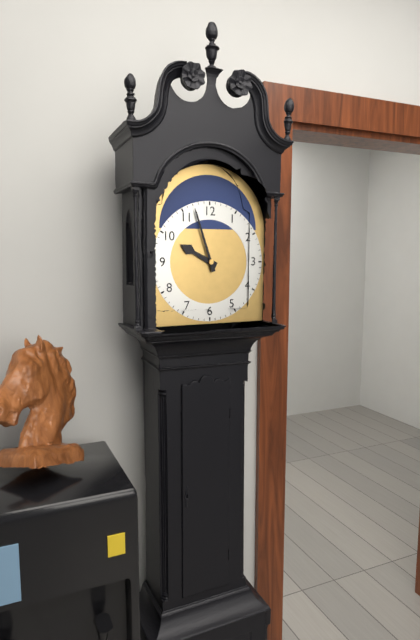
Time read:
9 h 57 min
